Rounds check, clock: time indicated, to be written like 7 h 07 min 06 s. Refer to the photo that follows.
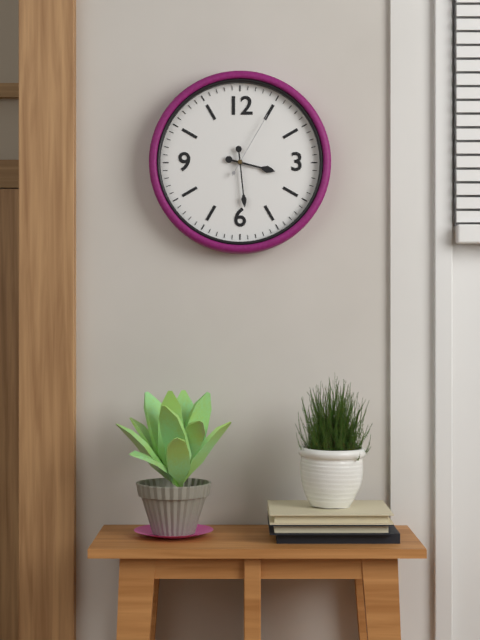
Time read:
3 h 29 min 05 s
